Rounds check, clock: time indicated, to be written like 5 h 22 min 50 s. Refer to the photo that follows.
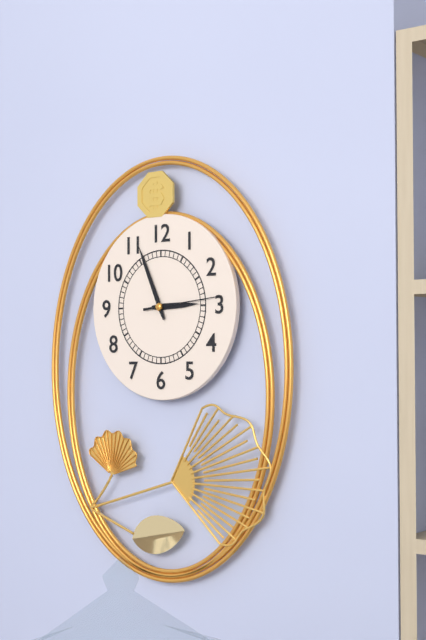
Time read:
2 h 56 min 14 s
